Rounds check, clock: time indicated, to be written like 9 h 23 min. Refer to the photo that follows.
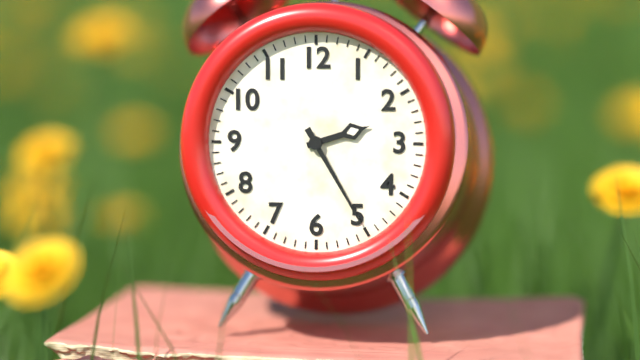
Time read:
2 h 25 min
